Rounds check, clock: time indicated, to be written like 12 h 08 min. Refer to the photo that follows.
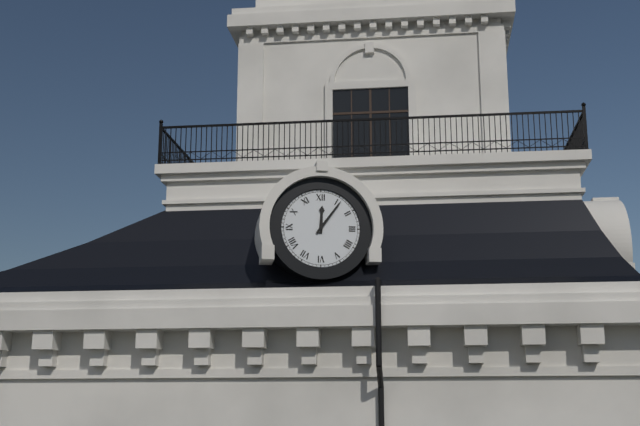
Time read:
12 h 06 min
